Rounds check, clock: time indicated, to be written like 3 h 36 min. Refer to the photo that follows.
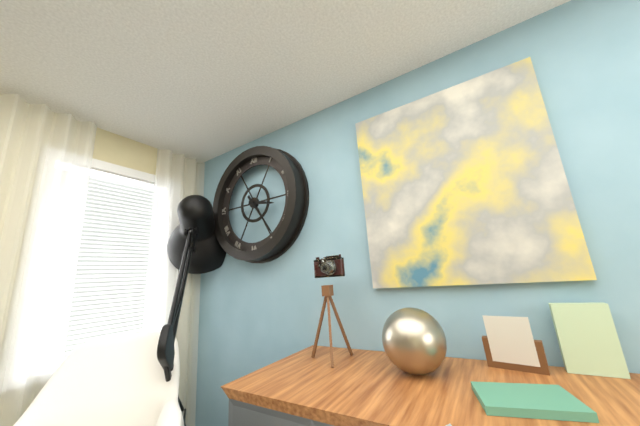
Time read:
3 h 24 min
